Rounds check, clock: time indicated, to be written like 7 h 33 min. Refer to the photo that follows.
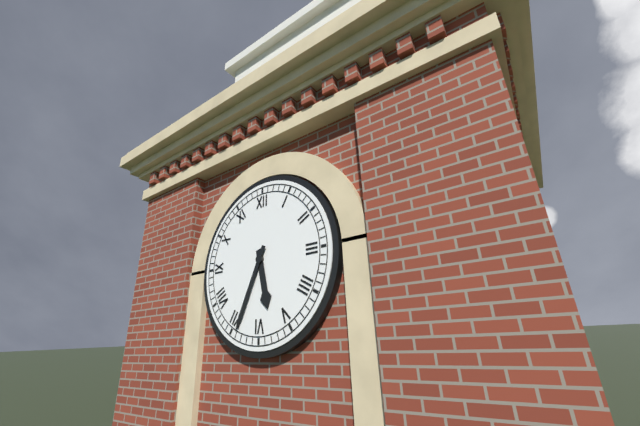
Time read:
5 h 34 min
